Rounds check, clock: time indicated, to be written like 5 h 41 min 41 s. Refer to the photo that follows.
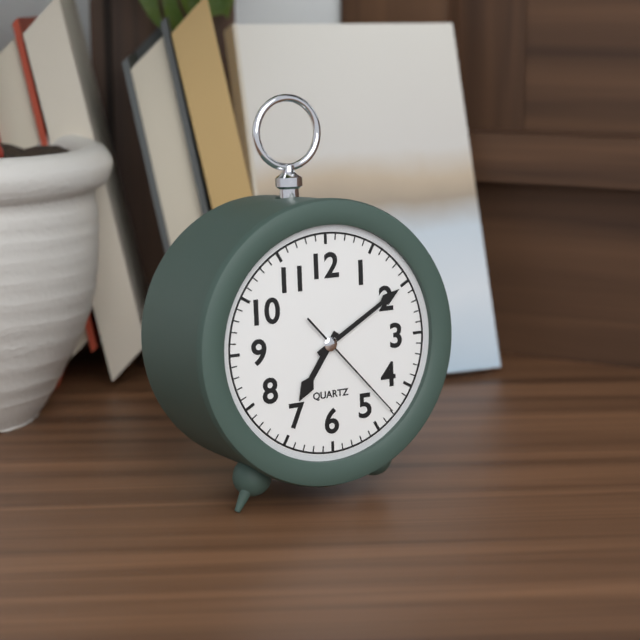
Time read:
7 h 10 min 23 s
